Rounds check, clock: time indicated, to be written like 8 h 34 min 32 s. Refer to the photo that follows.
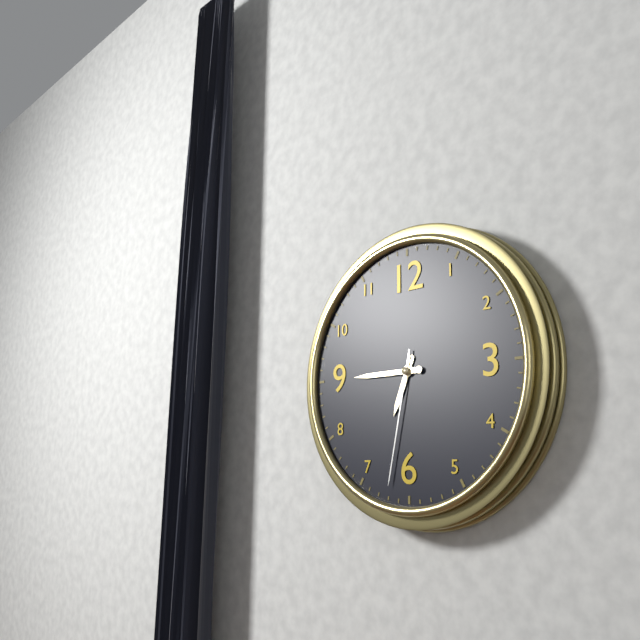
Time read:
6 h 45 min 32 s
